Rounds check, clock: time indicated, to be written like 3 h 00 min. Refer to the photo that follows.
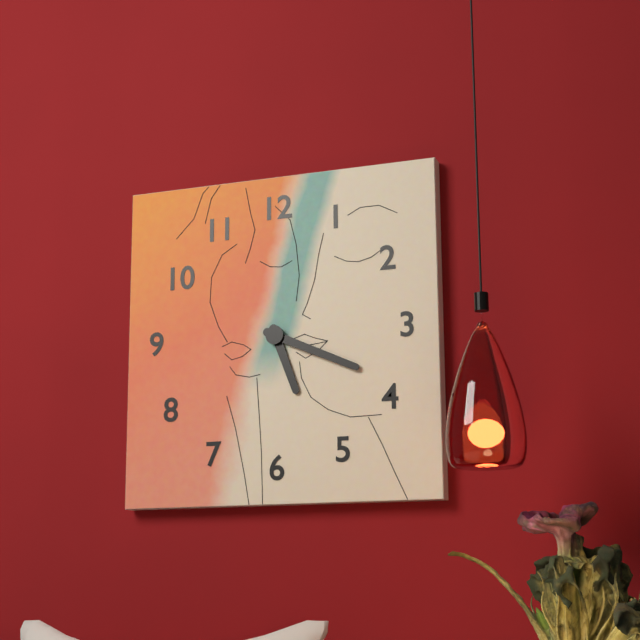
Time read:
5 h 19 min
